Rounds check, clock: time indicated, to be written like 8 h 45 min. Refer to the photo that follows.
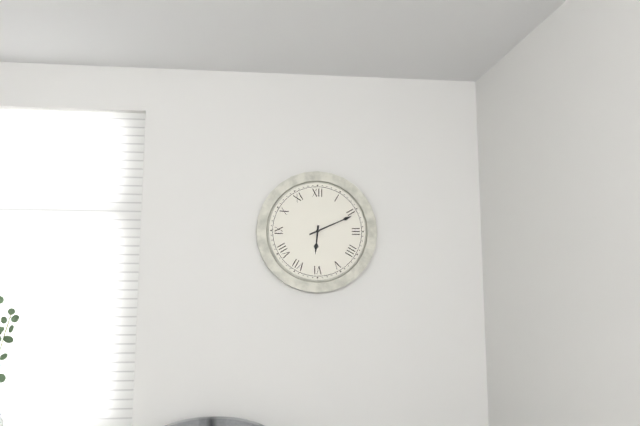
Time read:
6 h 11 min
